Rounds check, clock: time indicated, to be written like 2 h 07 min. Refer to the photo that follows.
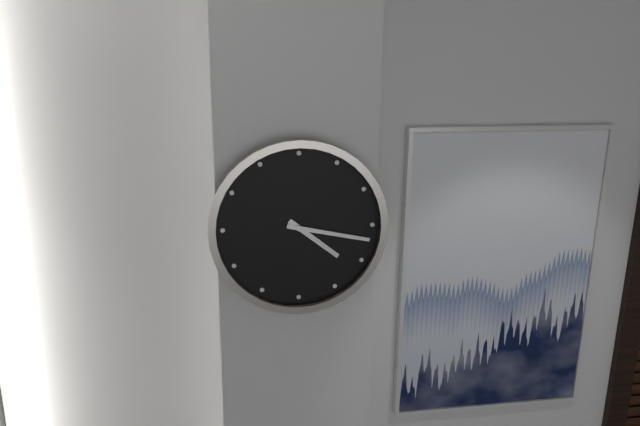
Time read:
4 h 17 min
